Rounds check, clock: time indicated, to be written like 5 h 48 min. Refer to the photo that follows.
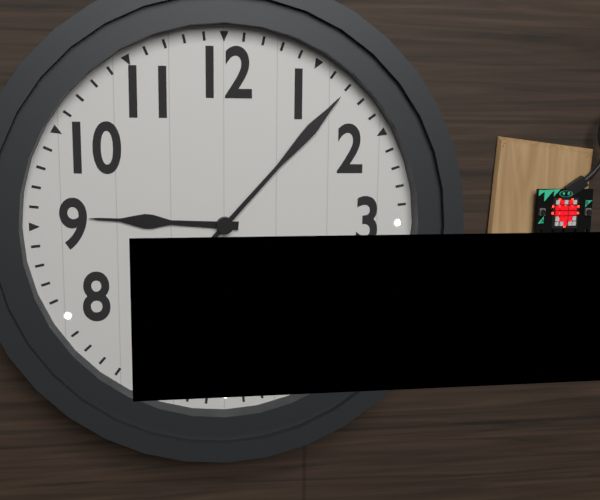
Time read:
9 h 07 min
